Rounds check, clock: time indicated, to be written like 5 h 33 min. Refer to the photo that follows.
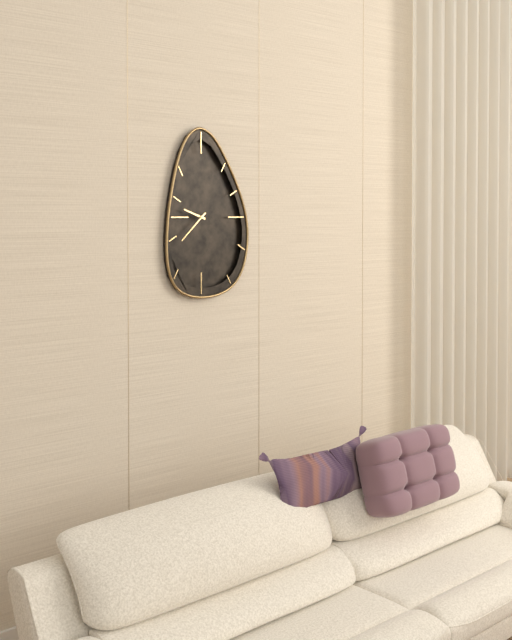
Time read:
9 h 38 min
